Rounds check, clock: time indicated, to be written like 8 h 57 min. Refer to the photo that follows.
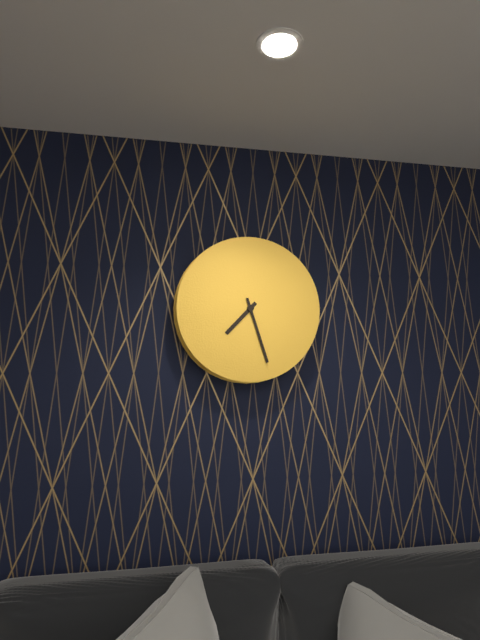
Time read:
7 h 27 min
